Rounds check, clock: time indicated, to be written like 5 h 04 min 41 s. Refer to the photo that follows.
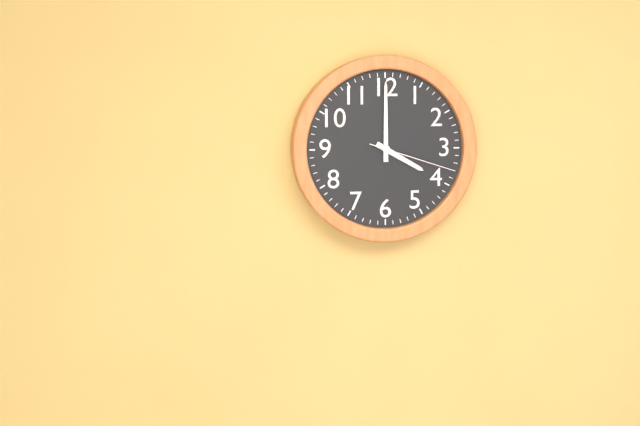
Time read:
4 h 00 min 18 s
